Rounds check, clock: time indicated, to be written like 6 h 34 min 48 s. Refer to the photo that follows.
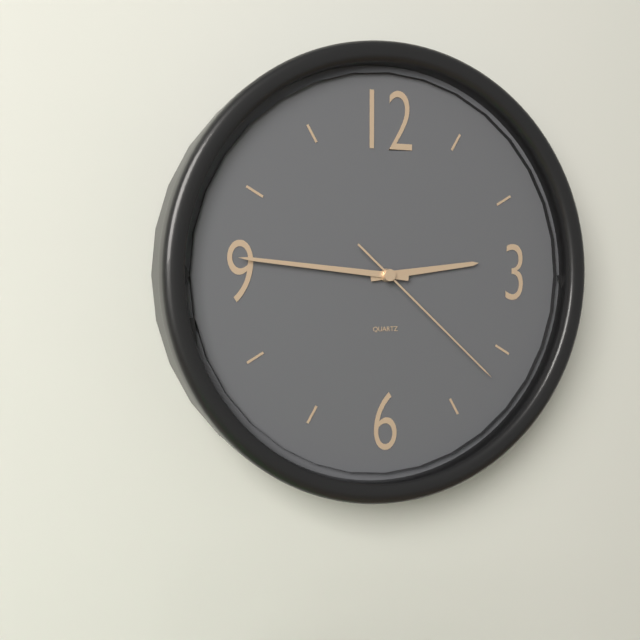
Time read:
2 h 46 min 22 s
